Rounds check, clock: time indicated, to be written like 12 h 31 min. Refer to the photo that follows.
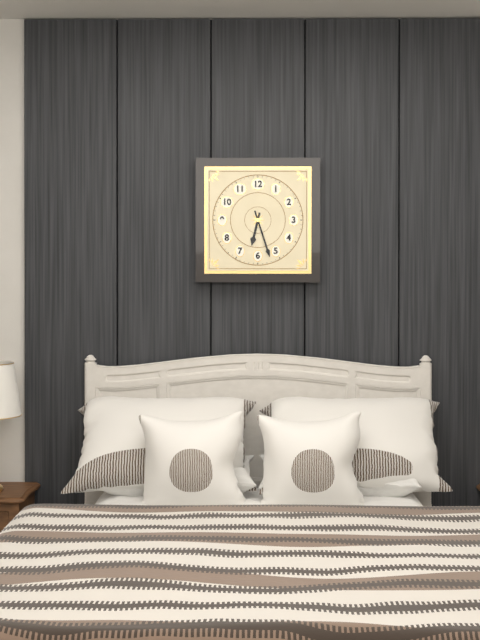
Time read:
6 h 27 min
